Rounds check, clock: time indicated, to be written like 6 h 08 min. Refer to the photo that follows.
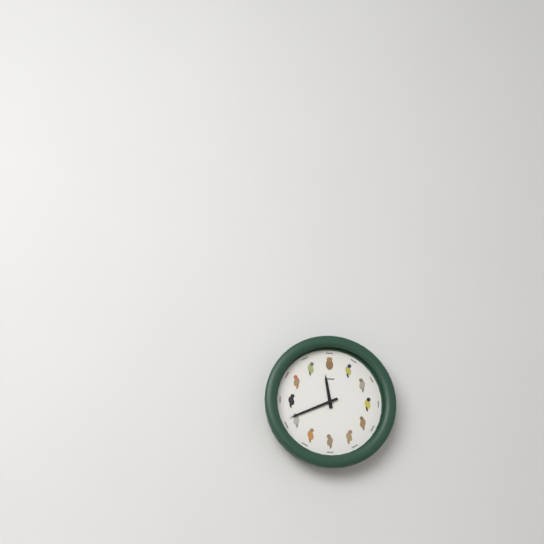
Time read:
11 h 41 min
